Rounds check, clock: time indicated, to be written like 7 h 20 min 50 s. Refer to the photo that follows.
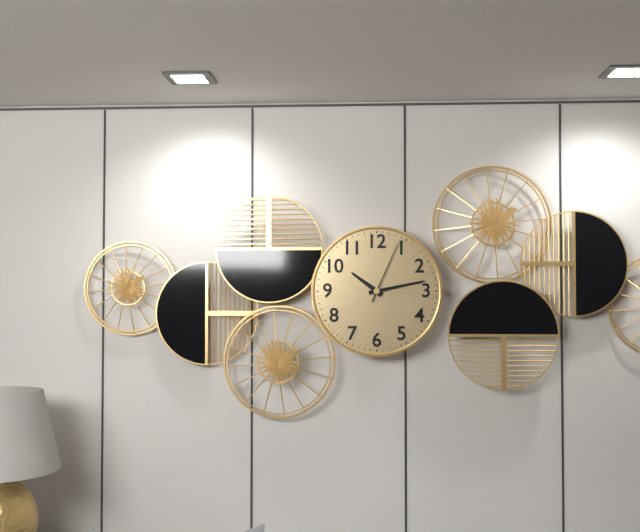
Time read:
10 h 13 min 04 s
